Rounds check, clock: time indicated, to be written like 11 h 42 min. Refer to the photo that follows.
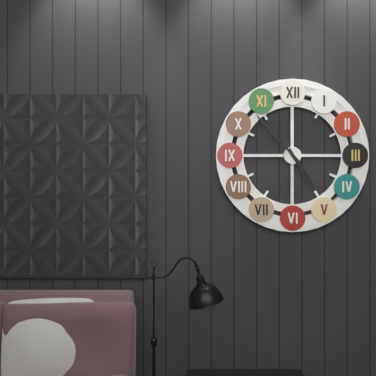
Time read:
4 h 53 min
